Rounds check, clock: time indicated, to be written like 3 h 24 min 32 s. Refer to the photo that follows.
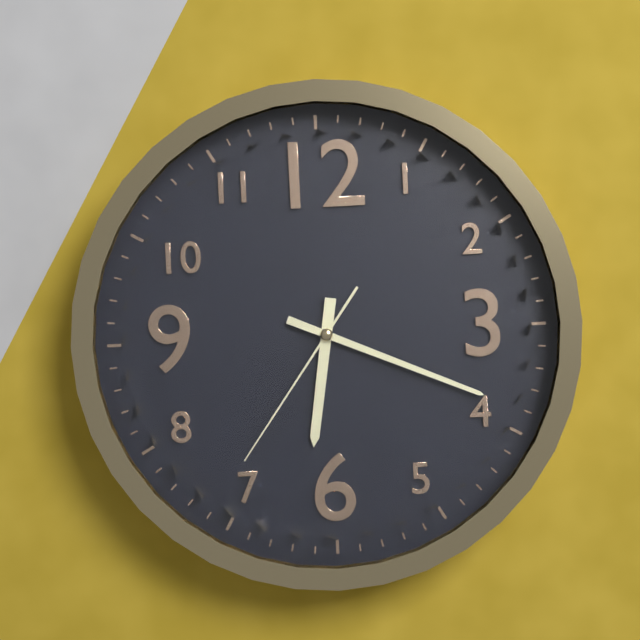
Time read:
6 h 19 min 36 s
